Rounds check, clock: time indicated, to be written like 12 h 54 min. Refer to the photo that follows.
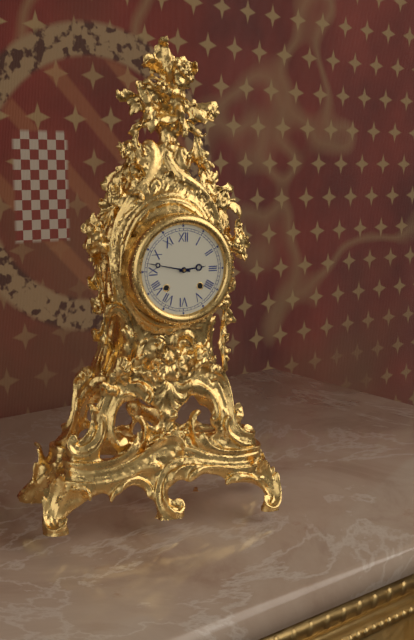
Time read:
2 h 47 min
